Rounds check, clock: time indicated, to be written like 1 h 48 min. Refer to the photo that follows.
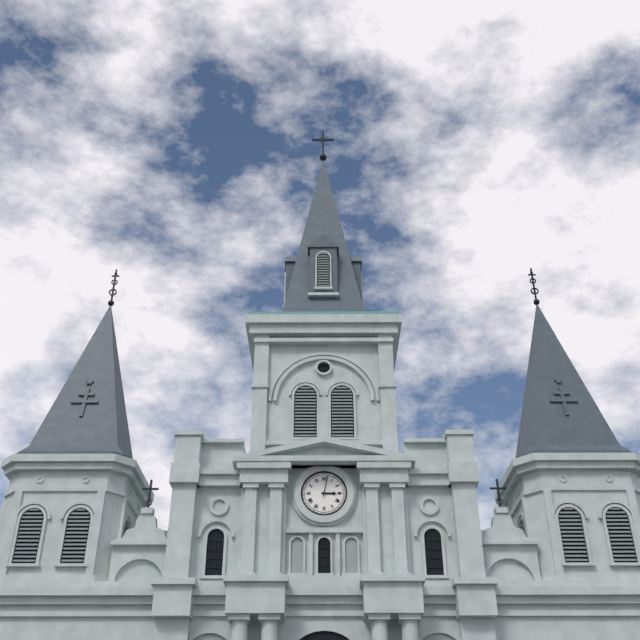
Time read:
3 h 02 min
